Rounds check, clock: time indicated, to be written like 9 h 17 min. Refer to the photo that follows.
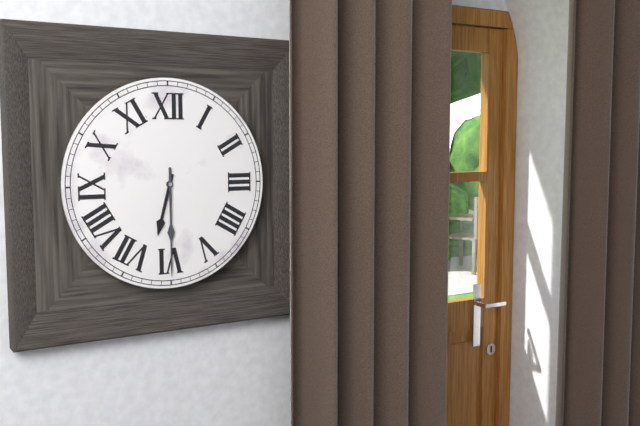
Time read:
6 h 30 min
